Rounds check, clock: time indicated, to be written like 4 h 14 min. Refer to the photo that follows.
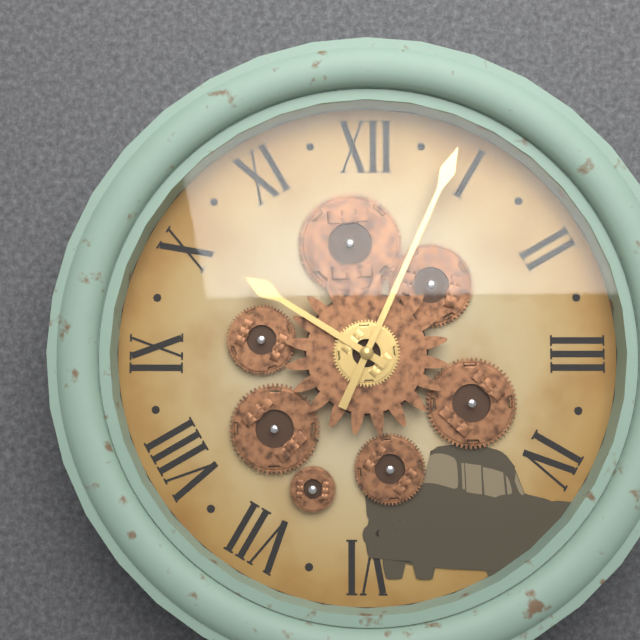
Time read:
10 h 04 min
